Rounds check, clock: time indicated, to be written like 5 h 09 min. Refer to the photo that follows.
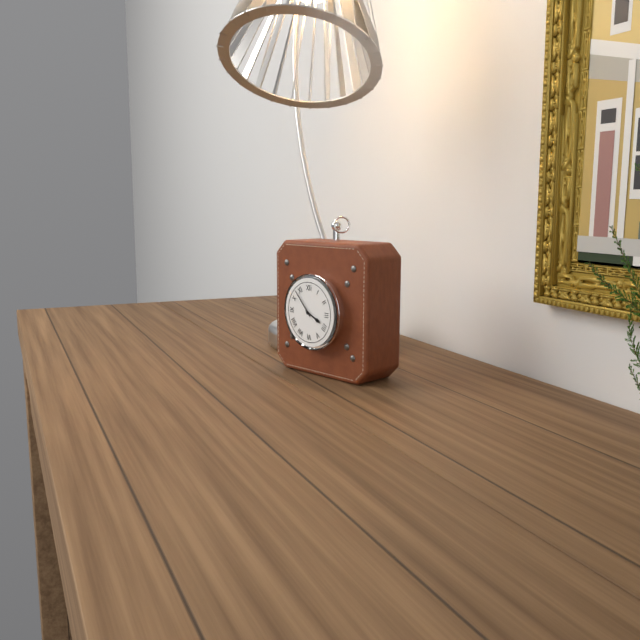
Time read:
3 h 53 min
